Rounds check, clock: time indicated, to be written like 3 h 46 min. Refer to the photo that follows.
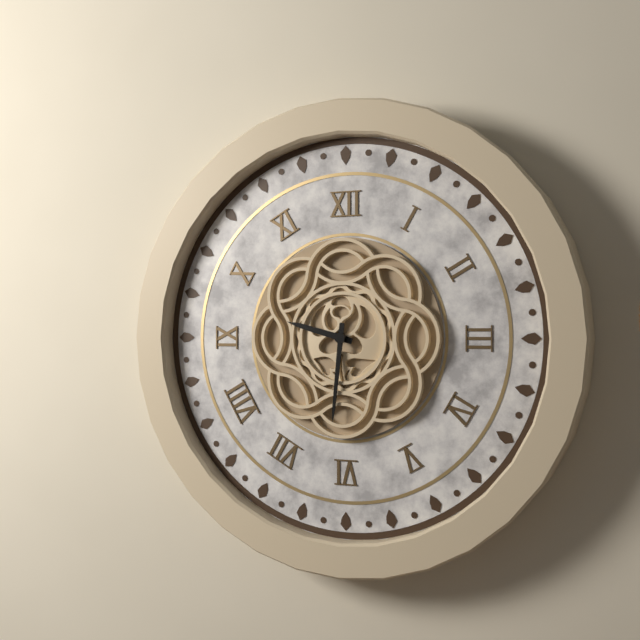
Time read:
9 h 31 min
